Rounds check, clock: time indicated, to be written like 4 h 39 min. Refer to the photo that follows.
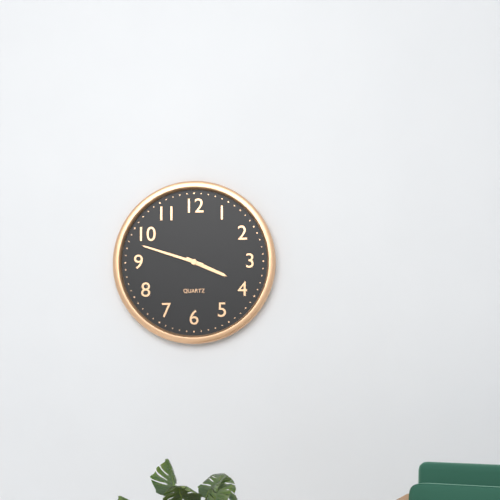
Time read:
3 h 48 min
